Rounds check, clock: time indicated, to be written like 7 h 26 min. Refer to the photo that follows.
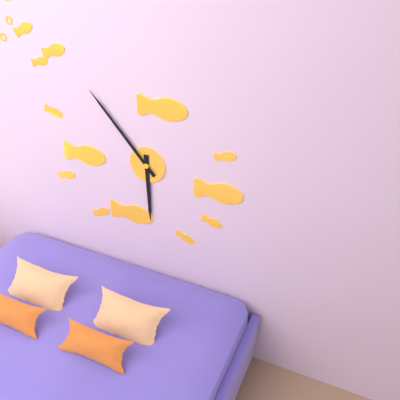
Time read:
5 h 53 min
